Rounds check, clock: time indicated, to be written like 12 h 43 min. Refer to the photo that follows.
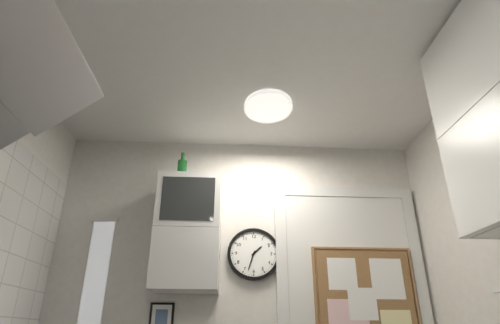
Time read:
1 h 33 min
